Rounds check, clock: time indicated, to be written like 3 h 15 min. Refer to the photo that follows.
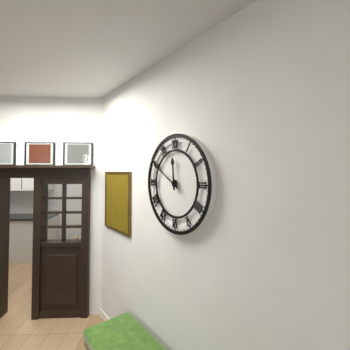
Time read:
11 h 50 min
